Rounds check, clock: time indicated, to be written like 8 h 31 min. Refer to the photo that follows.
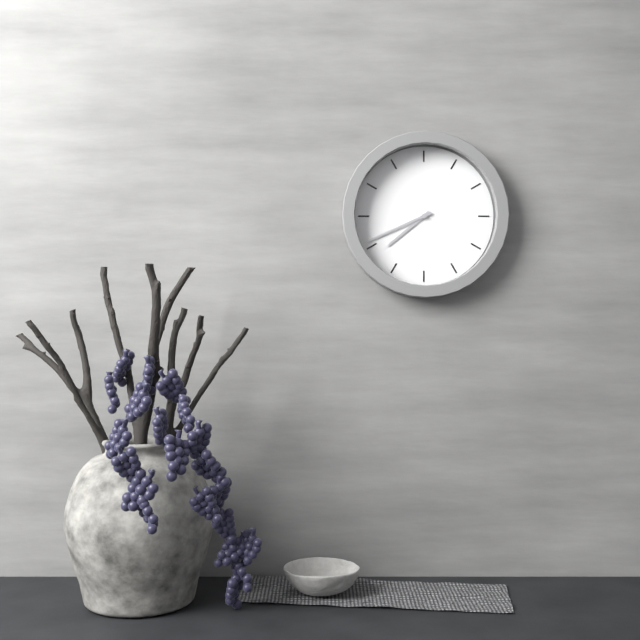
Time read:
7 h 41 min
